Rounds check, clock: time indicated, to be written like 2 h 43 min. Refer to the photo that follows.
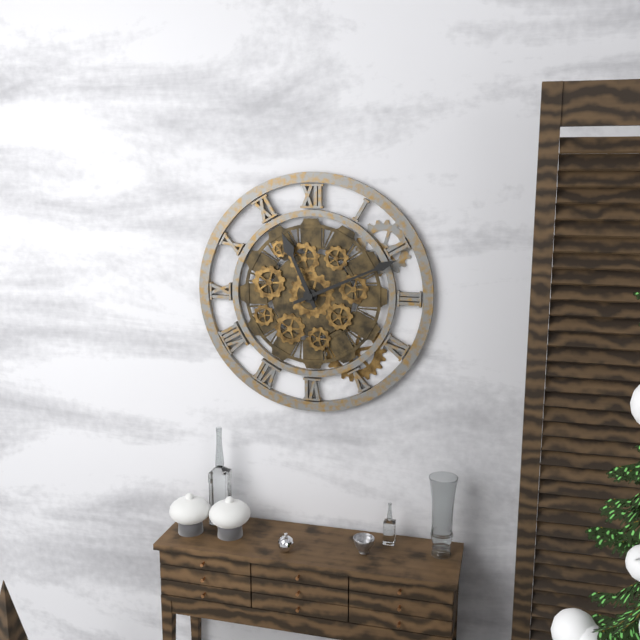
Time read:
11 h 11 min
